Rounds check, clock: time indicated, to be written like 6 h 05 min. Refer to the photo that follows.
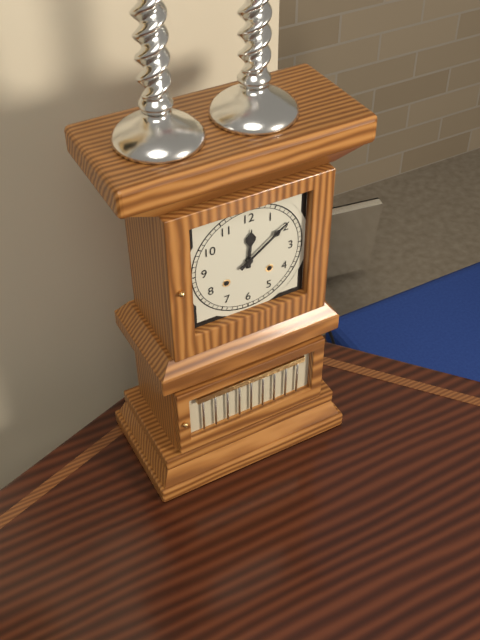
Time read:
12 h 09 min
